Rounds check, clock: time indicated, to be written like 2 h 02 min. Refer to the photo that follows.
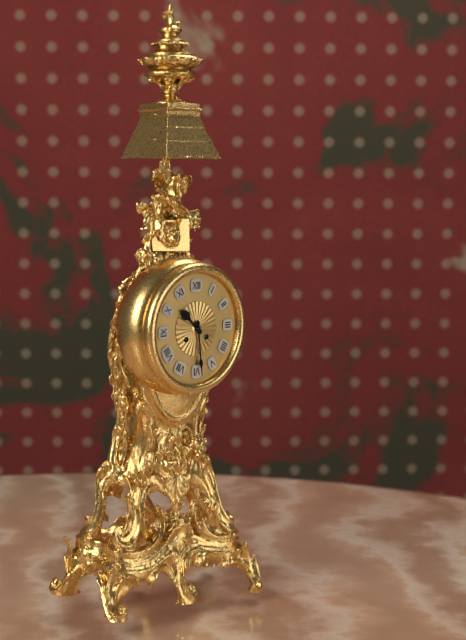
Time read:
10 h 29 min
